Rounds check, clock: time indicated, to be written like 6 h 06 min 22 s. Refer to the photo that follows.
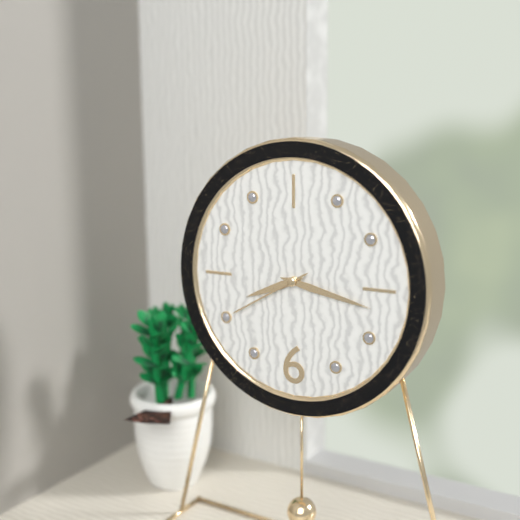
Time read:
8 h 17 min 40 s
